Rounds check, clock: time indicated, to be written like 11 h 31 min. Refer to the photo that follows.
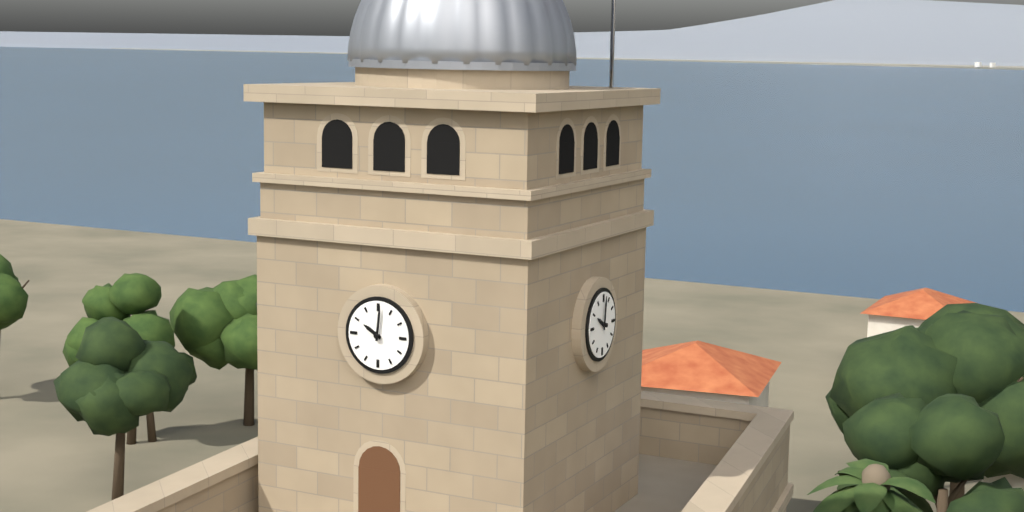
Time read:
10 h 01 min
